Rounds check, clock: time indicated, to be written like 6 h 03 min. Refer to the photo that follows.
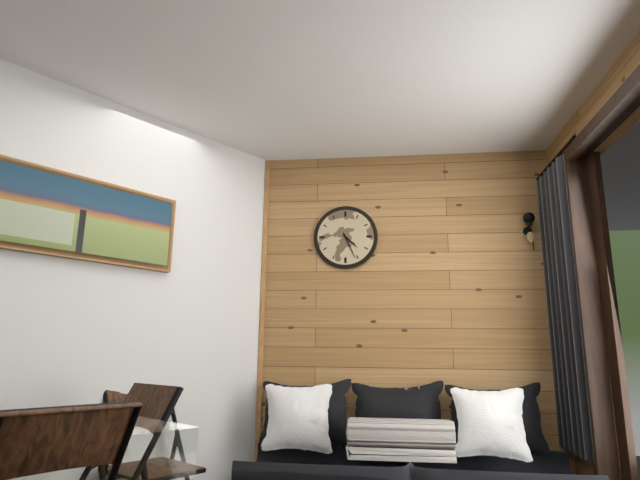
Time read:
4 h 26 min
